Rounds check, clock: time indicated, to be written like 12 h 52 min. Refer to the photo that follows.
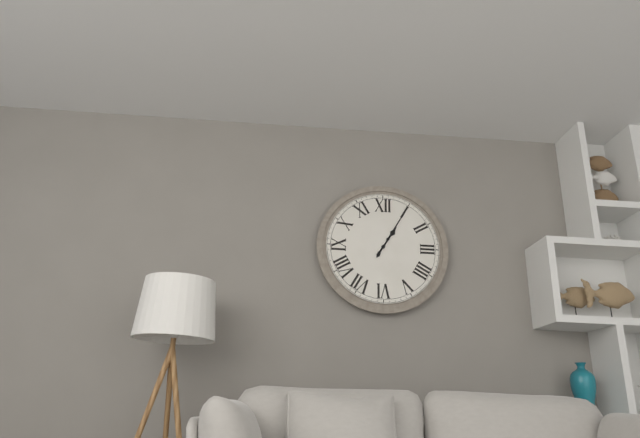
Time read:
1 h 05 min
